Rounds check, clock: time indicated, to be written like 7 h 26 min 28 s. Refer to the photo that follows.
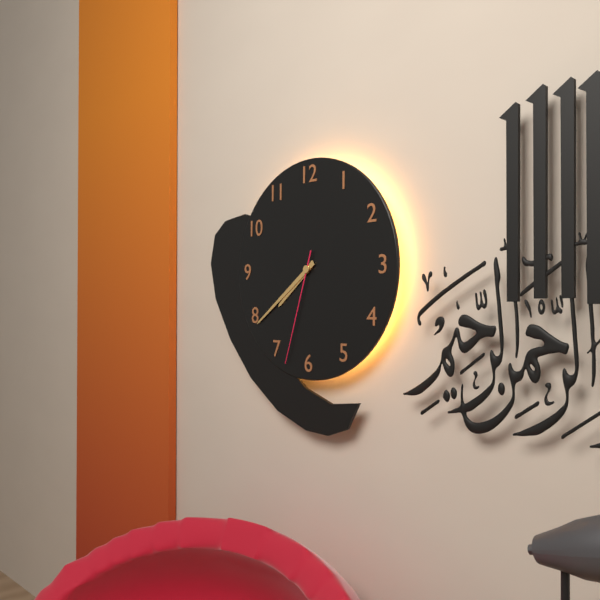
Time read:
7 h 39 min 33 s
